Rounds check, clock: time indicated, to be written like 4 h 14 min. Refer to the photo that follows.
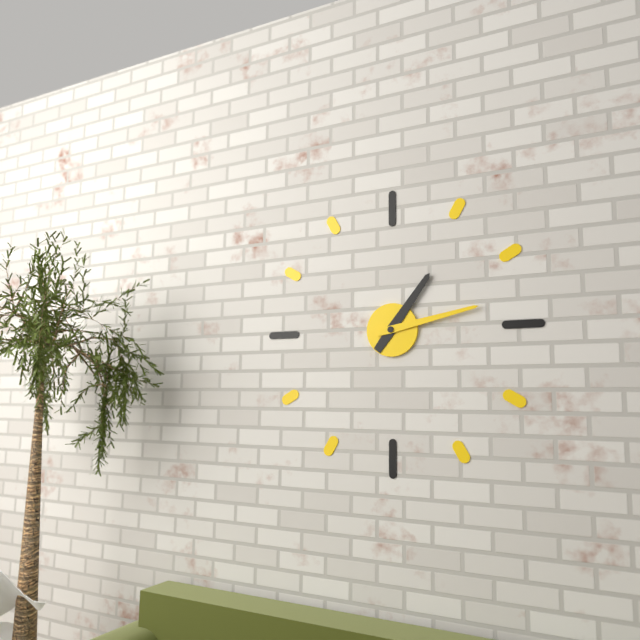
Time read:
1 h 13 min
